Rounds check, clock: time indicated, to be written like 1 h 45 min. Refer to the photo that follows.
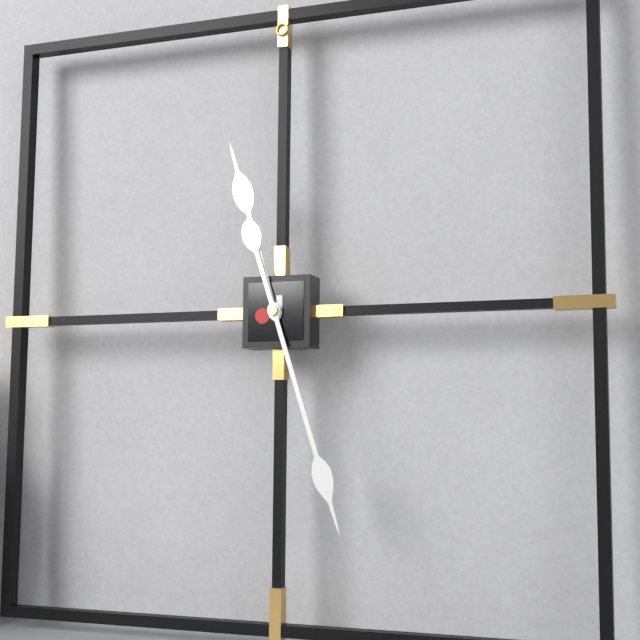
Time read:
11 h 27 min
